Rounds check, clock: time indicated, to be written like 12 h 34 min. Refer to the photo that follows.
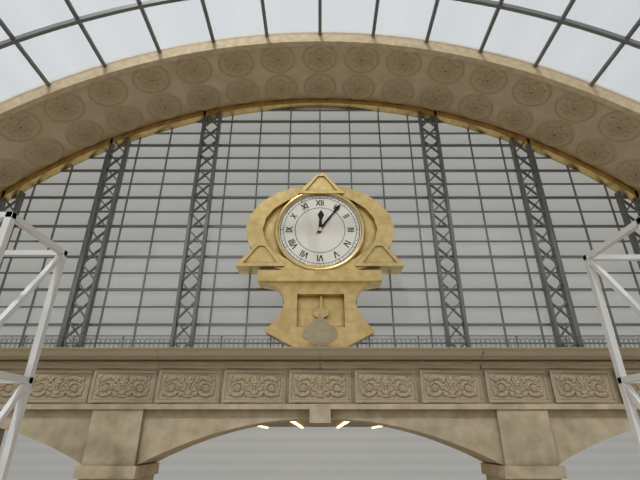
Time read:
12 h 06 min
